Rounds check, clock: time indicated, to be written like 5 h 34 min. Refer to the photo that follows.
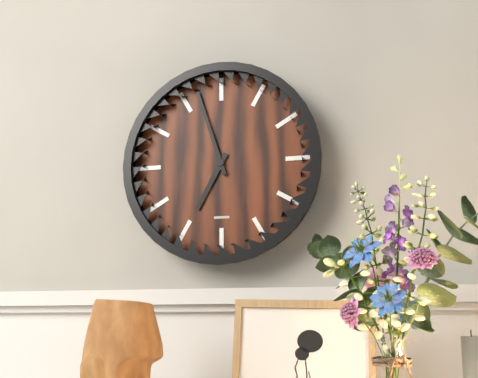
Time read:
6 h 57 min
